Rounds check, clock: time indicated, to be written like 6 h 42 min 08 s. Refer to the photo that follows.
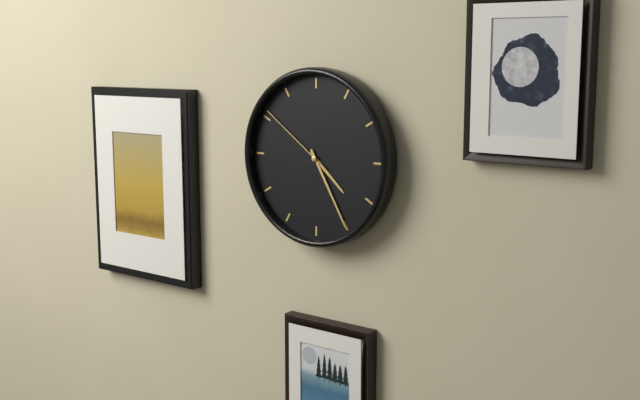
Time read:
4 h 25 min 51 s
